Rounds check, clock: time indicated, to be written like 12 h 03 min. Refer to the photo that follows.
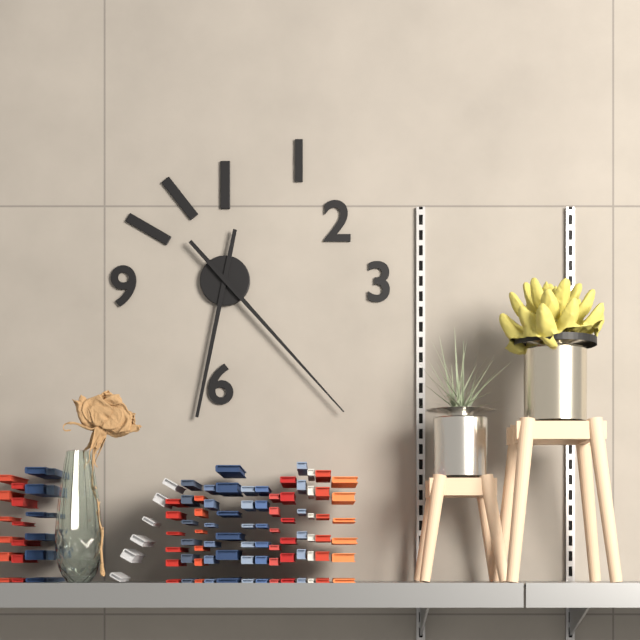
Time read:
6 h 23 min
